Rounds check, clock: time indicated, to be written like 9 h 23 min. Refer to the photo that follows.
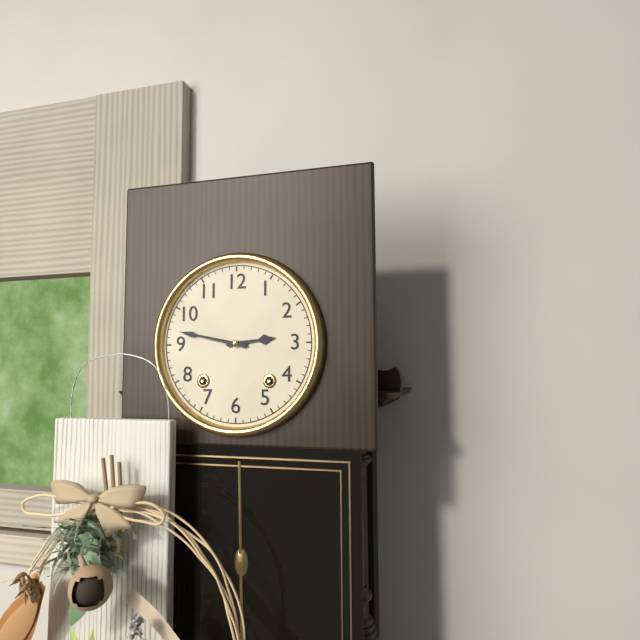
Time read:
2 h 47 min
